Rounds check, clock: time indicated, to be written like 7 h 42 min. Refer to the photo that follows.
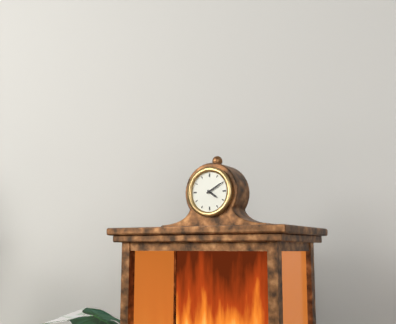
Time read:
4 h 10 min
